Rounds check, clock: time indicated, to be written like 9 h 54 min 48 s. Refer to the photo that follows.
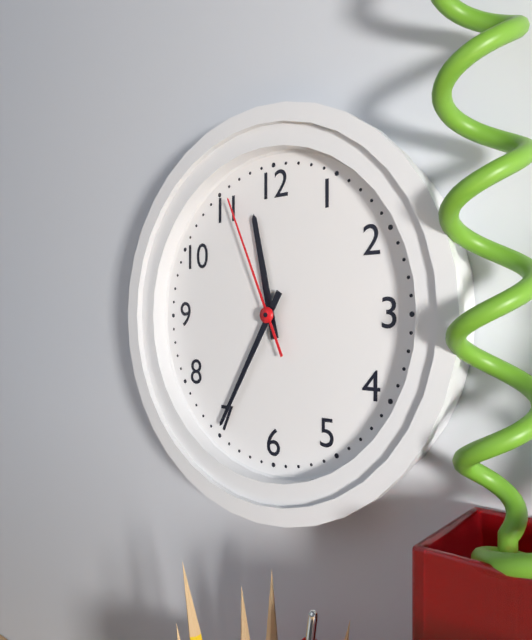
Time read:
11 h 35 min 56 s
